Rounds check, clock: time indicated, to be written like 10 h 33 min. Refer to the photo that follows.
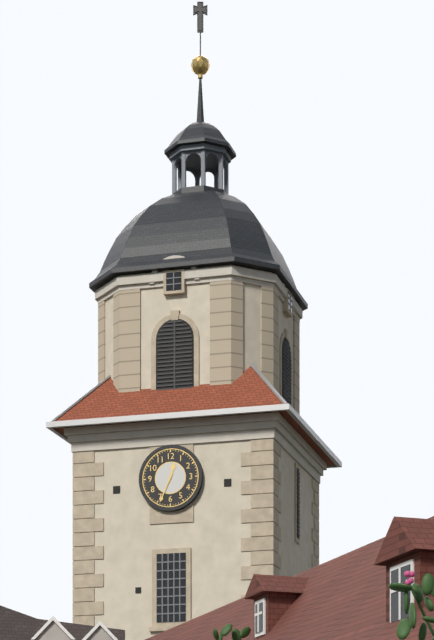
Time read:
12 h 34 min
